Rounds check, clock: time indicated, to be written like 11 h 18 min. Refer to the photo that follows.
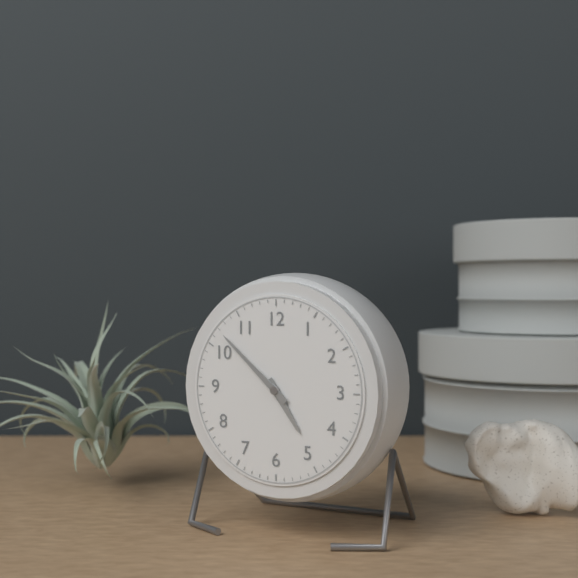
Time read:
4 h 52 min
